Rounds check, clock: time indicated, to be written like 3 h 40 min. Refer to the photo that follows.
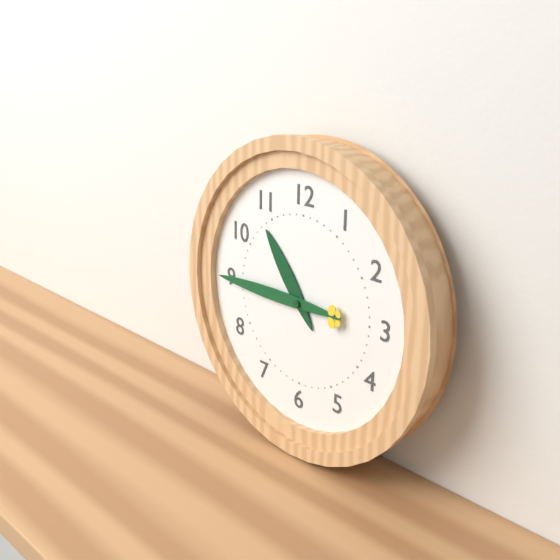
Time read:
10 h 45 min
